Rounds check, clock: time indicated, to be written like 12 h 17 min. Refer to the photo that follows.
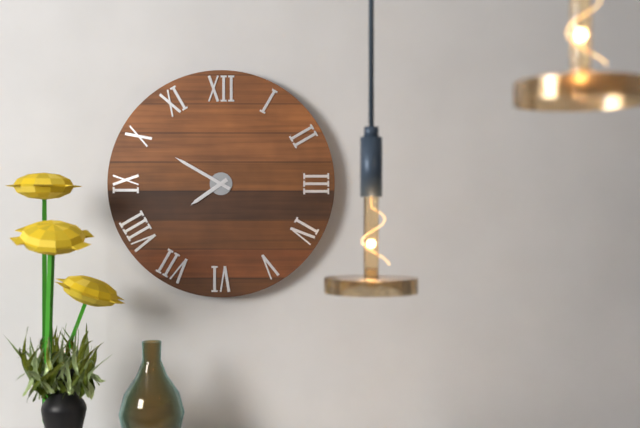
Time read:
7 h 50 min
